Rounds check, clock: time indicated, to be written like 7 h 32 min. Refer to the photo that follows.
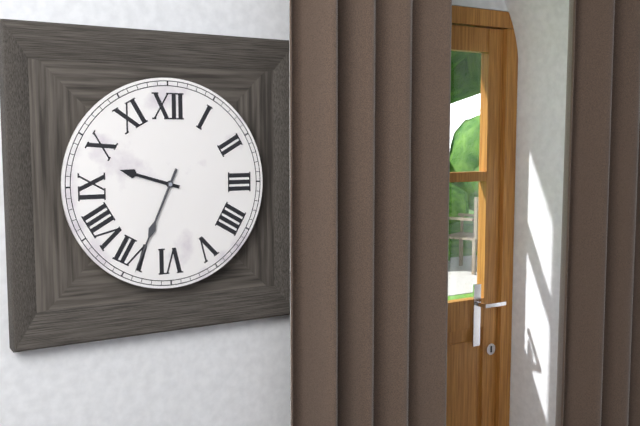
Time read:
9 h 34 min
